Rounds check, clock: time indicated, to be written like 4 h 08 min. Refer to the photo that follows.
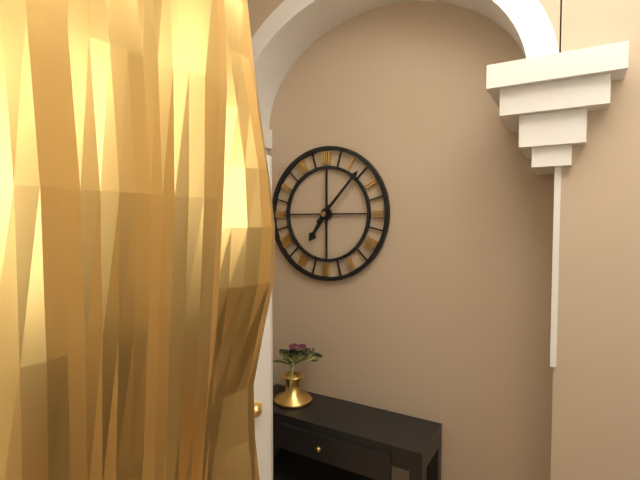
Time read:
7 h 07 min
